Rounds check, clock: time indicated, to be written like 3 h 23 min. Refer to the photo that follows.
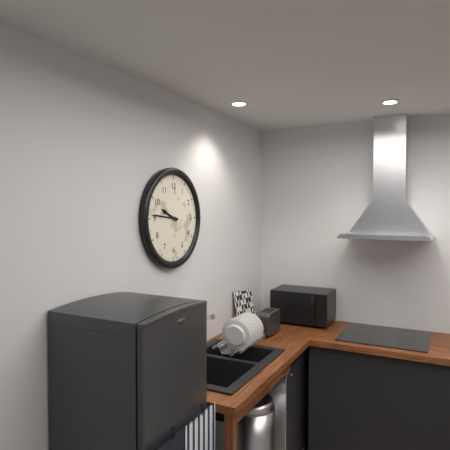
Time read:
9 h 46 min
